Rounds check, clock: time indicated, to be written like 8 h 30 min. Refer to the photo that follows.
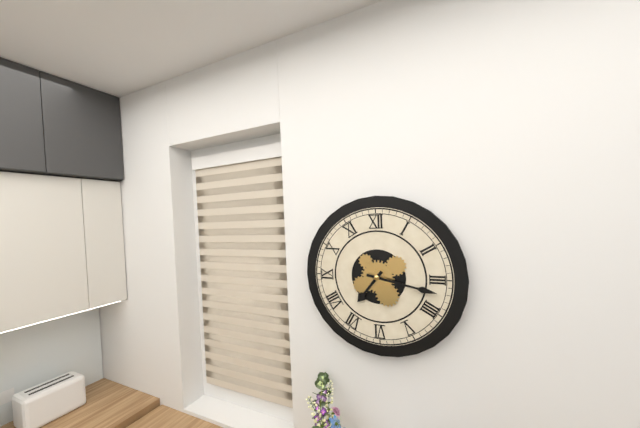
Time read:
7 h 17 min
